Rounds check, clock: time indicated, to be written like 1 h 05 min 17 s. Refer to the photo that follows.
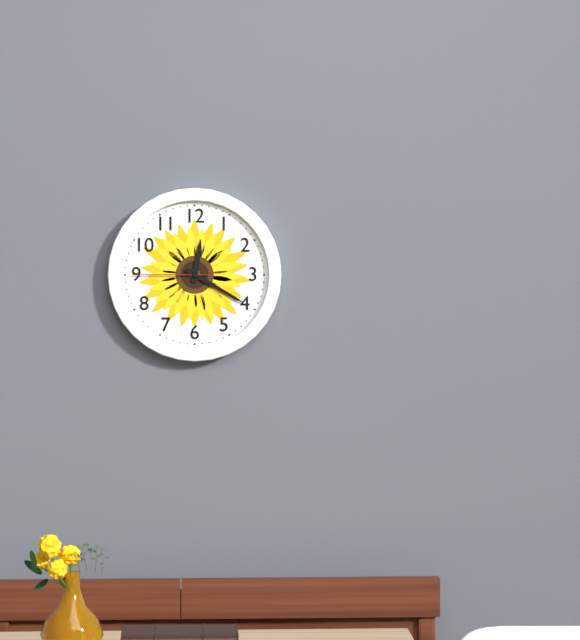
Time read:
12 h 20 min 45 s
